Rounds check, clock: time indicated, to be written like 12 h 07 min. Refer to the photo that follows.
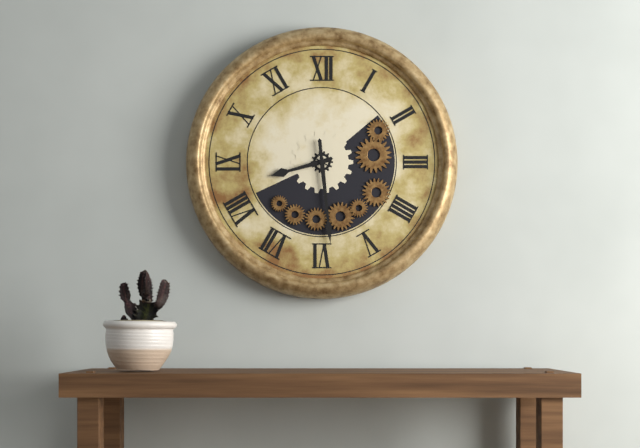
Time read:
8 h 29 min
